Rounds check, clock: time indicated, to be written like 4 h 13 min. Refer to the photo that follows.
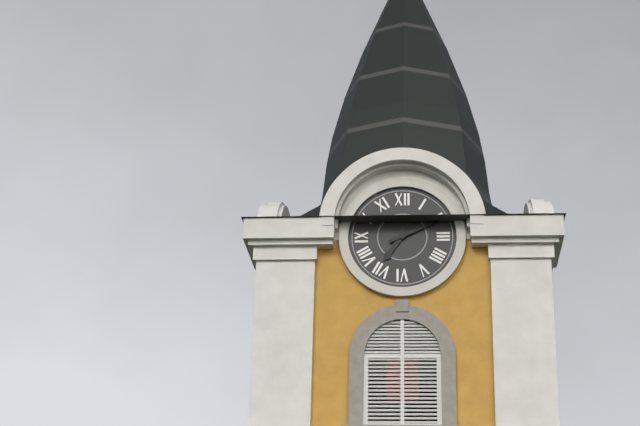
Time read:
7 h 11 min
